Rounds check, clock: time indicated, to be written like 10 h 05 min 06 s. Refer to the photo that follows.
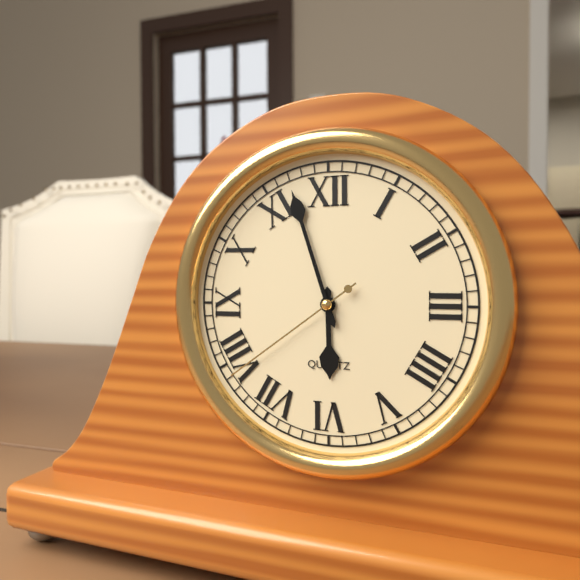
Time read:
5 h 57 min 39 s
